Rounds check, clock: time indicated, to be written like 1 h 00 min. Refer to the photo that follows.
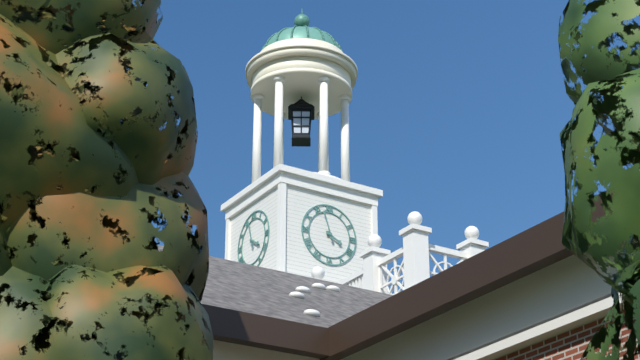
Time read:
3 h 57 min
